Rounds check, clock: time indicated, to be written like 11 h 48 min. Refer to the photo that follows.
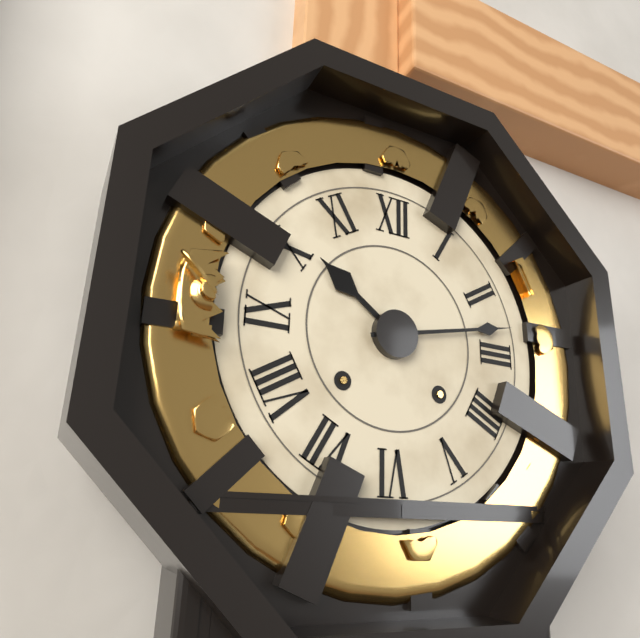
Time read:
10 h 13 min
